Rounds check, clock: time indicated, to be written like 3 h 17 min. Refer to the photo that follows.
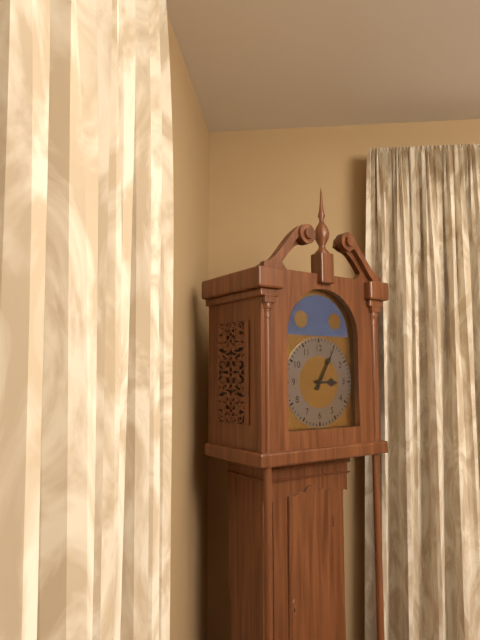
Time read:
3 h 05 min
